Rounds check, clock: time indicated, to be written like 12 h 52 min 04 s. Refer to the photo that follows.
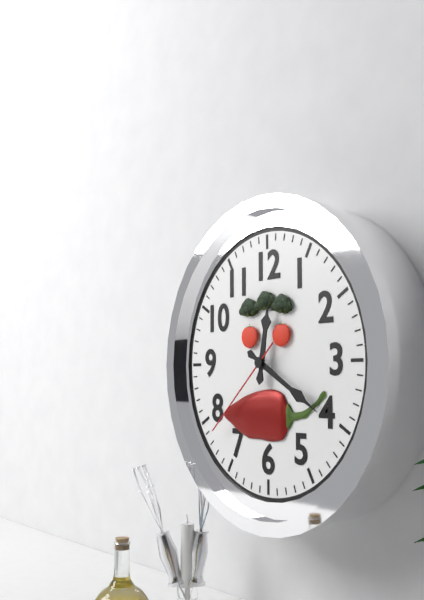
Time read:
12 h 20 min 38 s
